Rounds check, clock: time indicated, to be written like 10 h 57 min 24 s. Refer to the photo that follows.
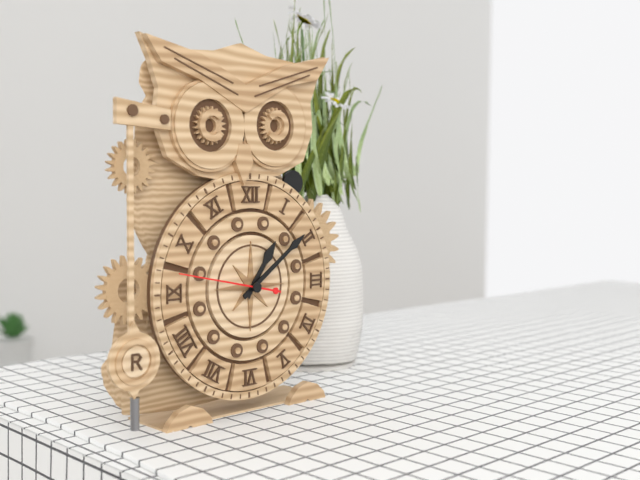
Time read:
1 h 09 min 47 s
